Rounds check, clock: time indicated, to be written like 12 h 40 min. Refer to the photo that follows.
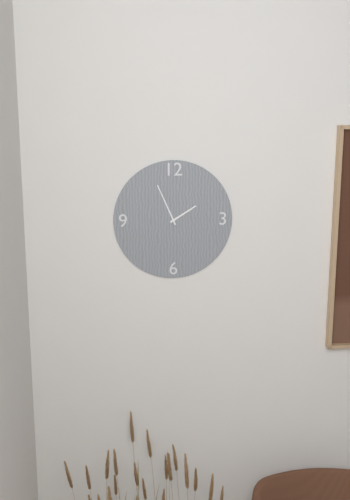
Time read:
1 h 56 min
